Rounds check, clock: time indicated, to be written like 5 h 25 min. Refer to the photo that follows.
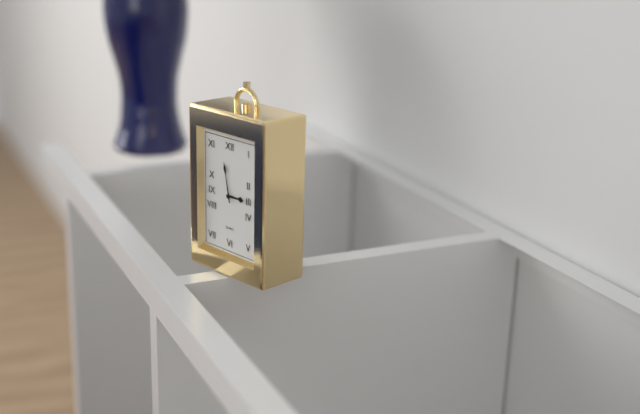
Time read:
2 h 58 min
